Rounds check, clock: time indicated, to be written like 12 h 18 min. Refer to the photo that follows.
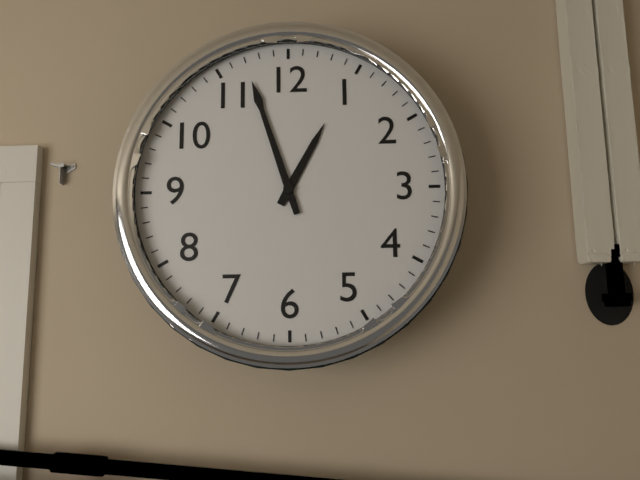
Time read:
12 h 57 min
